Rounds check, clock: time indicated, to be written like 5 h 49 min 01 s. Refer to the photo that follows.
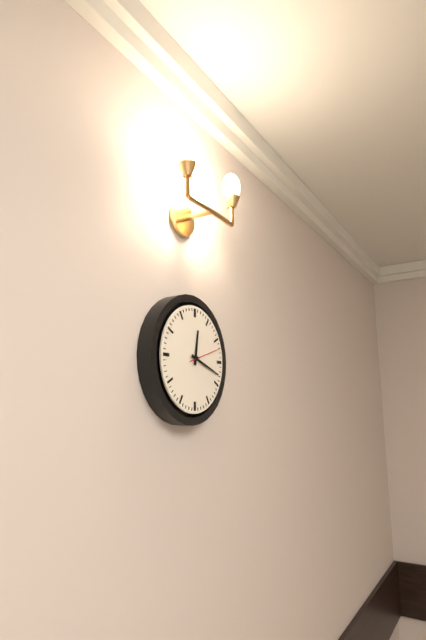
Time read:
12 h 18 min 12 s
